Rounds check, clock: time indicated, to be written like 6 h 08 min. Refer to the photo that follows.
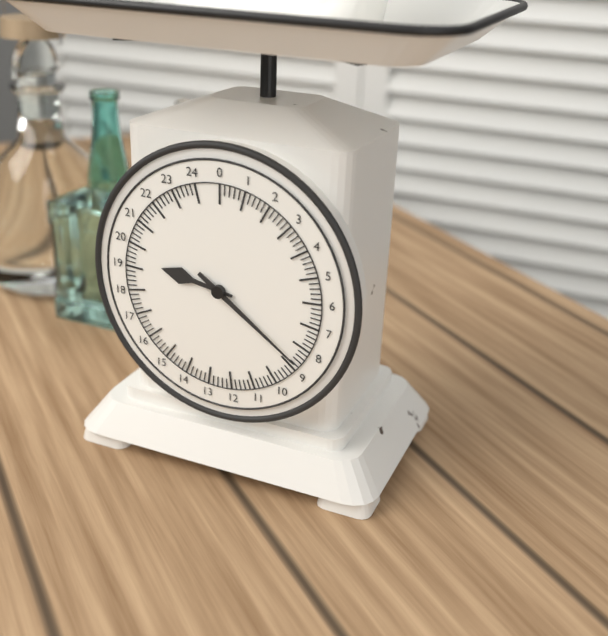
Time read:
9 h 21 min
